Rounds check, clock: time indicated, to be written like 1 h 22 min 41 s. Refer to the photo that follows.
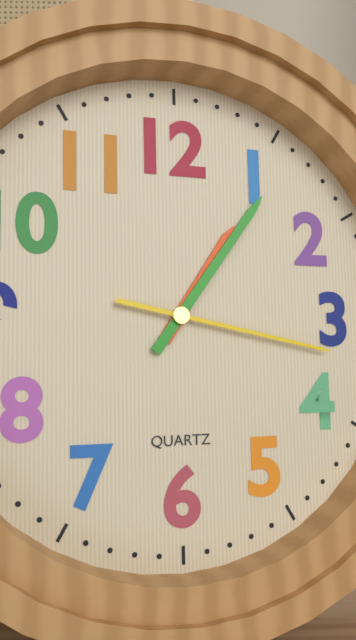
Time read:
1 h 06 min 17 s
